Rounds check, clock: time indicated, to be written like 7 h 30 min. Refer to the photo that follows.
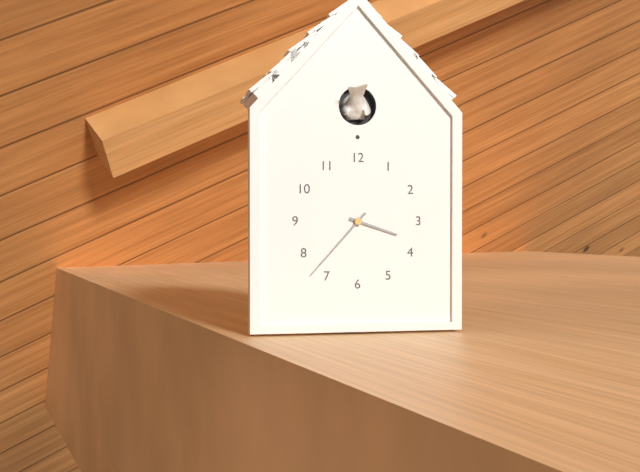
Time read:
3 h 37 min
